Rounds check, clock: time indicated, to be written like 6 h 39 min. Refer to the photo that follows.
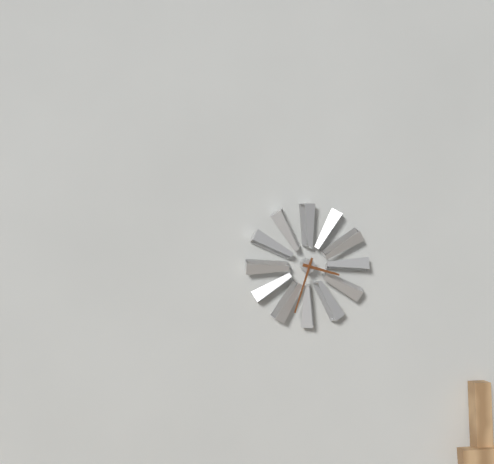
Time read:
3 h 33 min
